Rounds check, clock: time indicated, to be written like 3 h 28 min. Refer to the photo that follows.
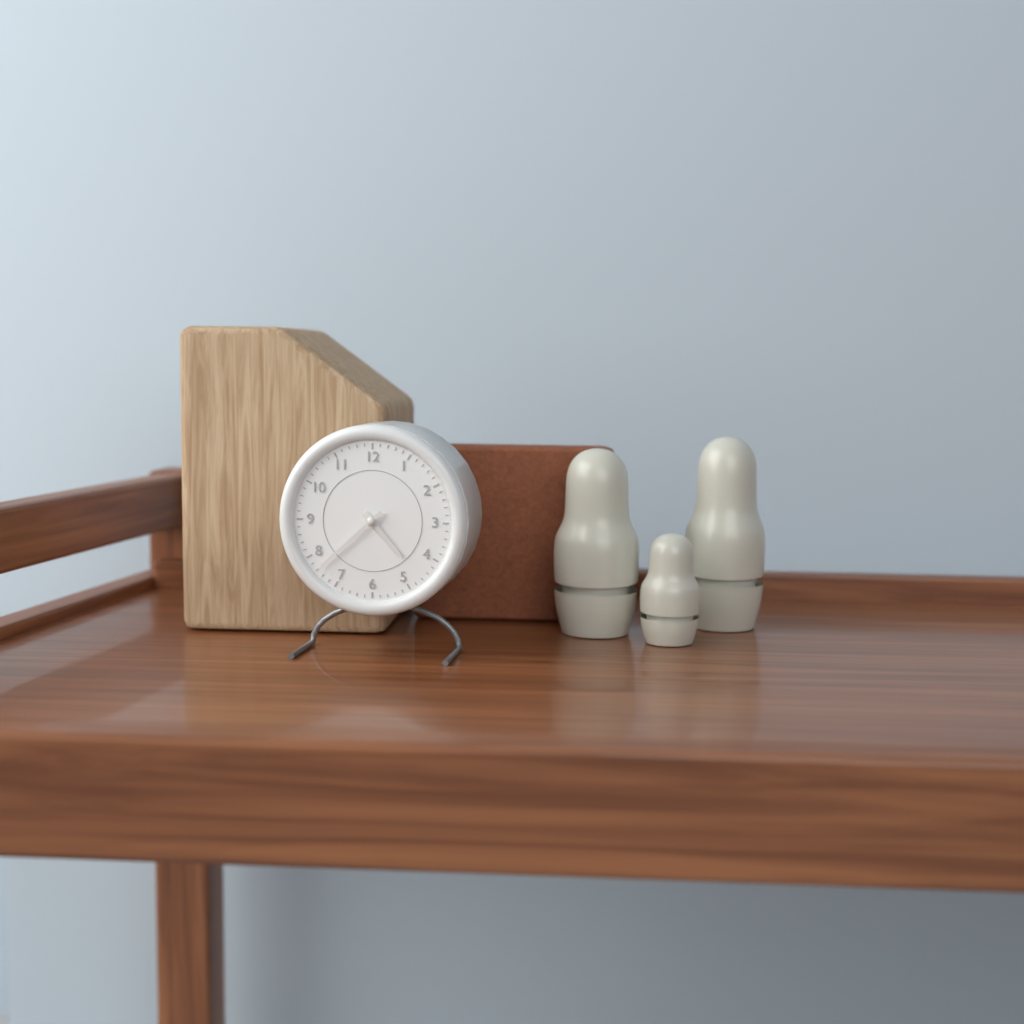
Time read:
4 h 38 min
